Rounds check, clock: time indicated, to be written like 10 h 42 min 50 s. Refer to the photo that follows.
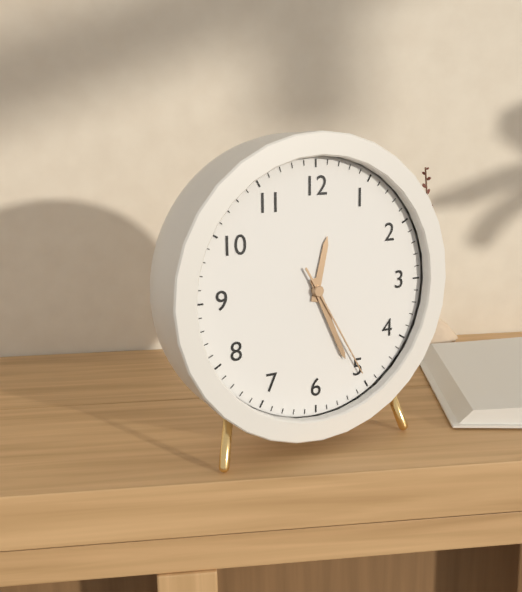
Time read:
12 h 26 min 25 s
